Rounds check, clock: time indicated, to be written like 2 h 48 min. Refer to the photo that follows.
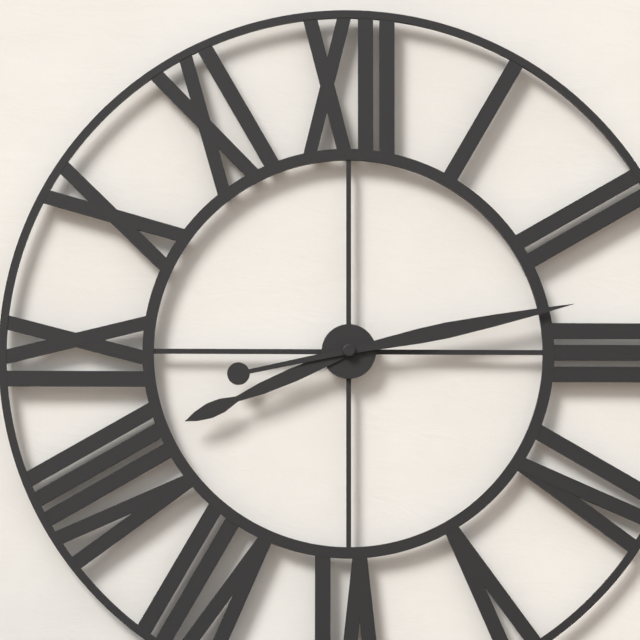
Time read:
8 h 13 min
